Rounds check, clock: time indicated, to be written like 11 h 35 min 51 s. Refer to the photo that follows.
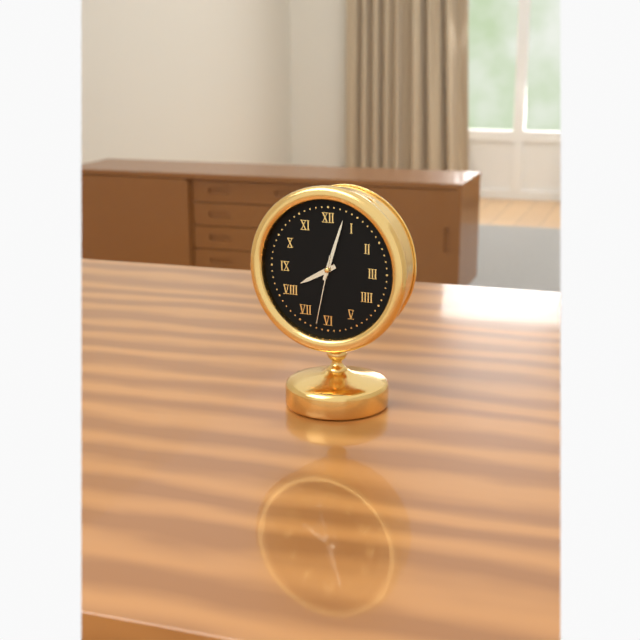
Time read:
8 h 03 min 32 s
